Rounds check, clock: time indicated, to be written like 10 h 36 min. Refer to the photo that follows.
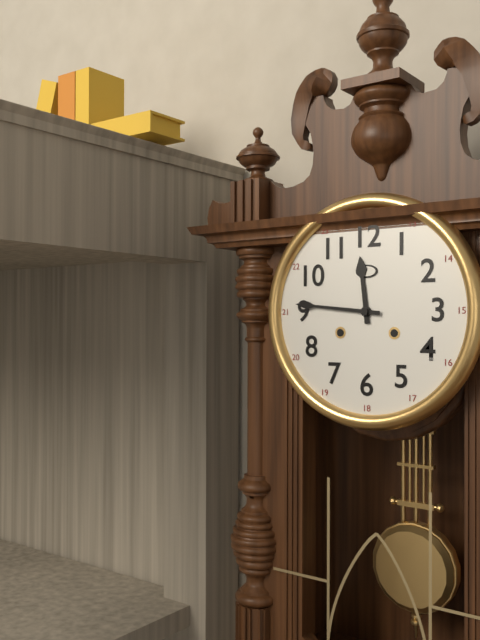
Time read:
11 h 46 min
